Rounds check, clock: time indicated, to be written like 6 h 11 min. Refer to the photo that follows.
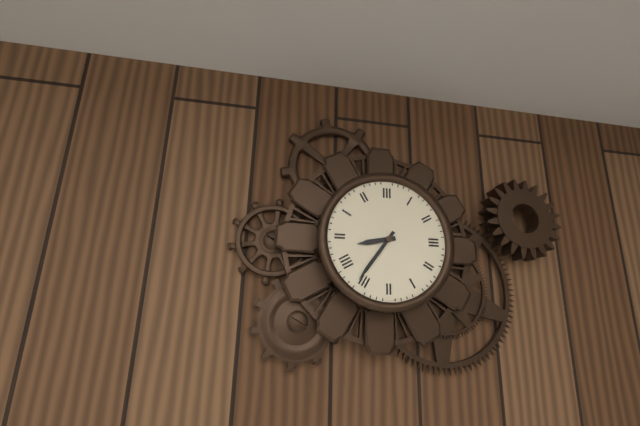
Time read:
8 h 36 min
